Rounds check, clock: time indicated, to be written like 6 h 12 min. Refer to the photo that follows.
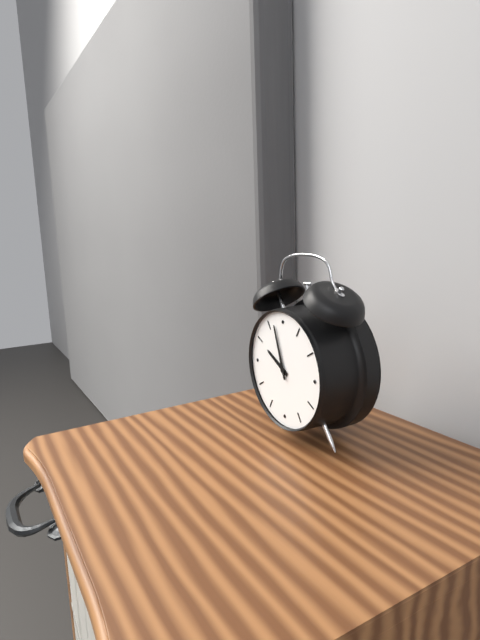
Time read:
9 h 57 min
